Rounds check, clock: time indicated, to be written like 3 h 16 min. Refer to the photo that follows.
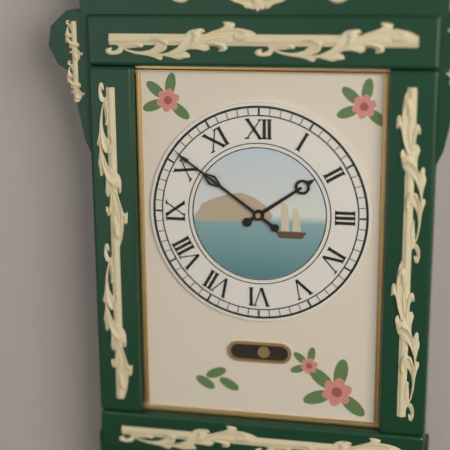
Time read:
1 h 51 min
